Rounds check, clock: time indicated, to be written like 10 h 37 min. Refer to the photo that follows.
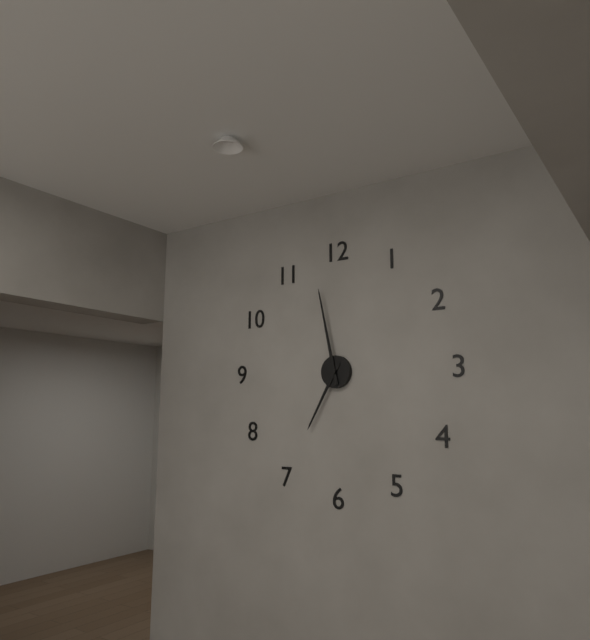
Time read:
6 h 58 min
